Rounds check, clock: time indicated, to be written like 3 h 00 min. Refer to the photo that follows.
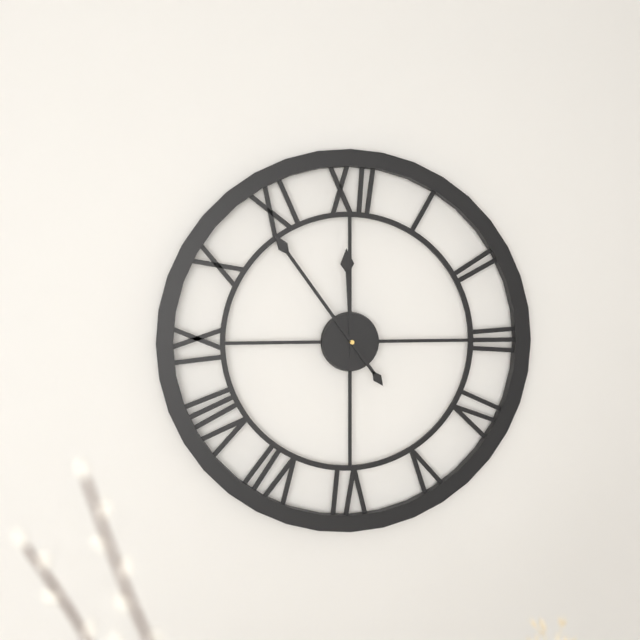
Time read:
11 h 54 min
